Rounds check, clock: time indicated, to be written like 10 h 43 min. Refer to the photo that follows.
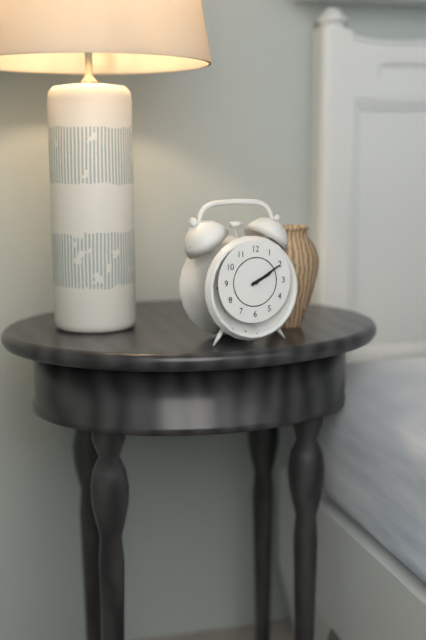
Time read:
2 h 10 min
